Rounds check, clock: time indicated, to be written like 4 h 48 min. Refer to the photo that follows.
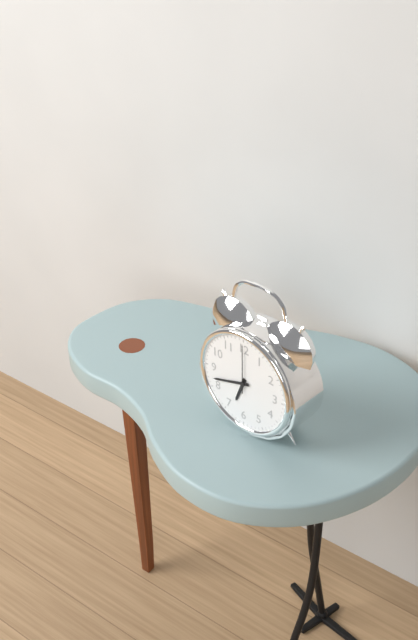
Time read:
6 h 42 min
